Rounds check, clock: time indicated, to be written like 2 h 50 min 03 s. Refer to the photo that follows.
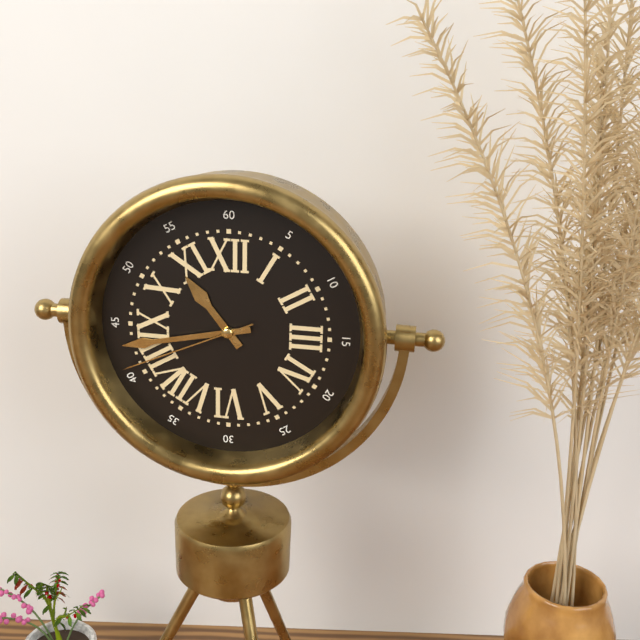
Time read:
10 h 43 min 41 s
